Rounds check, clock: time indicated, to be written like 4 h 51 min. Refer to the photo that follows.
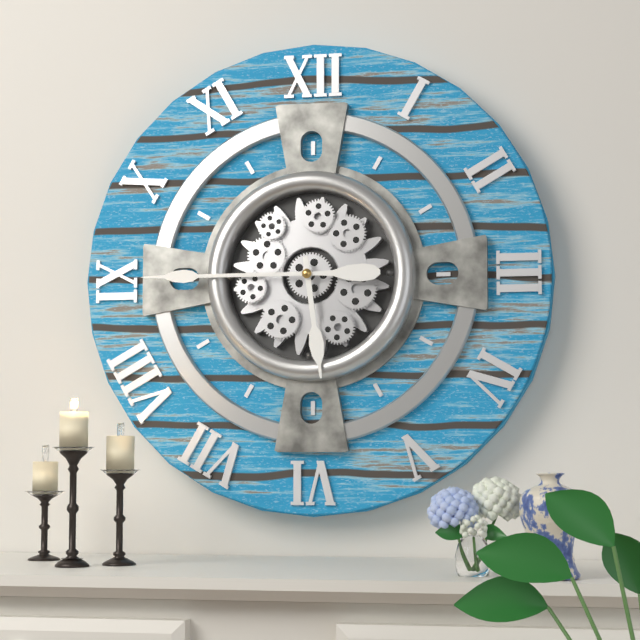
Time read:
5 h 45 min
